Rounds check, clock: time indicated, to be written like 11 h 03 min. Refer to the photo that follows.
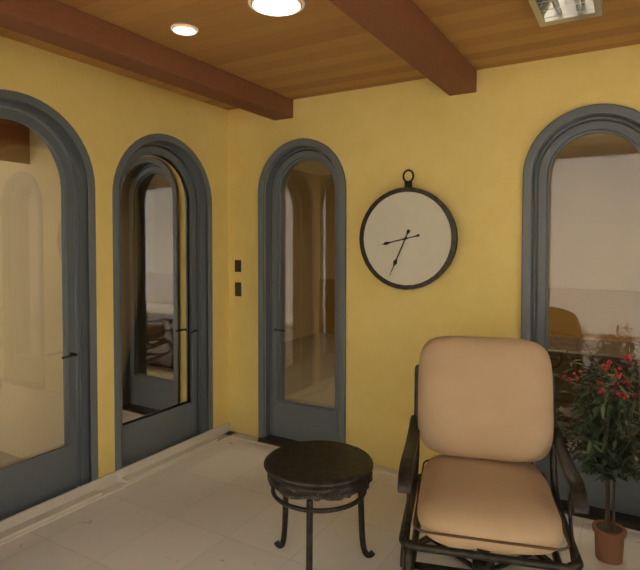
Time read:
8 h 34 min
